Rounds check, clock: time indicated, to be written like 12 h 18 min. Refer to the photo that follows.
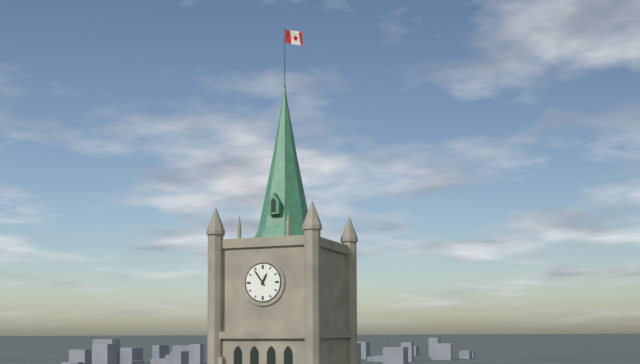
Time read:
12 h 54 min
